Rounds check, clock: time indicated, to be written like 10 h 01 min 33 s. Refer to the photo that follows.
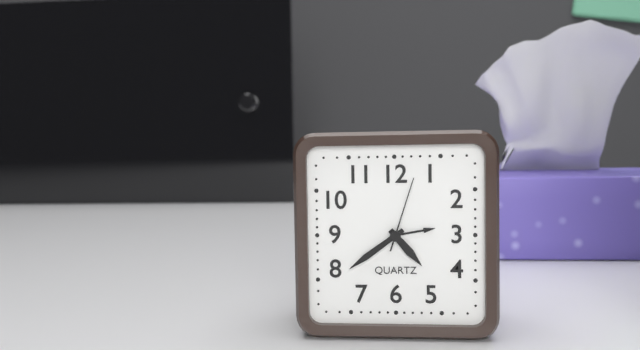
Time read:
4 h 39 min 03 s
